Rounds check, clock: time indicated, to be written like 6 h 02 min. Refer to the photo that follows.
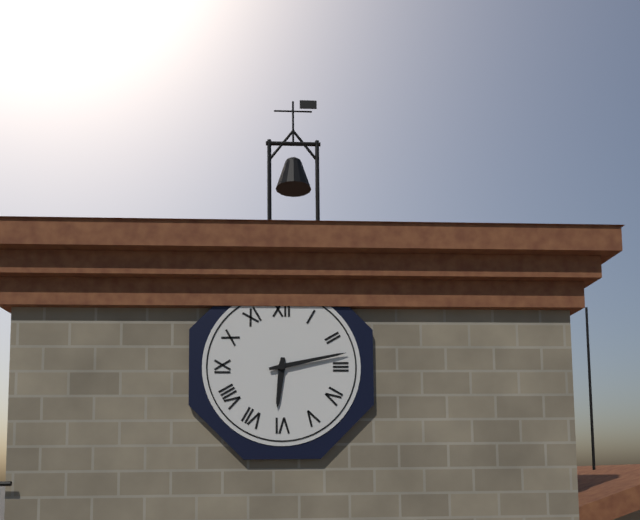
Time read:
6 h 13 min
